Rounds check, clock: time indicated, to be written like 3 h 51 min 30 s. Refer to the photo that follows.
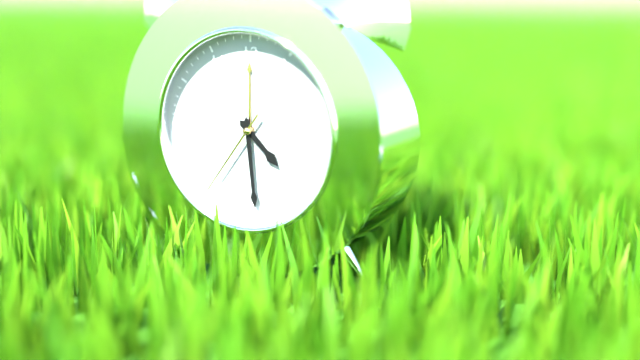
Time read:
4 h 29 min 36 s
